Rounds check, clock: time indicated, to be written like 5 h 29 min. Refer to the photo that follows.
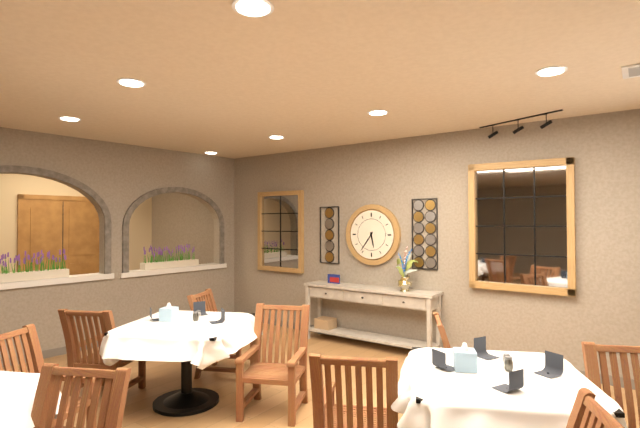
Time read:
5 h 36 min
